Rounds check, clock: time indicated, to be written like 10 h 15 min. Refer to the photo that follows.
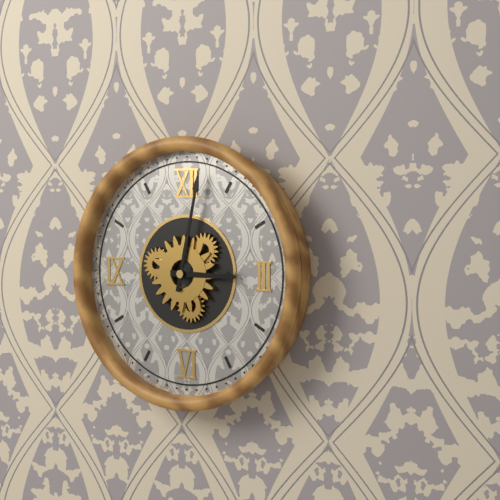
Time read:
3 h 02 min
